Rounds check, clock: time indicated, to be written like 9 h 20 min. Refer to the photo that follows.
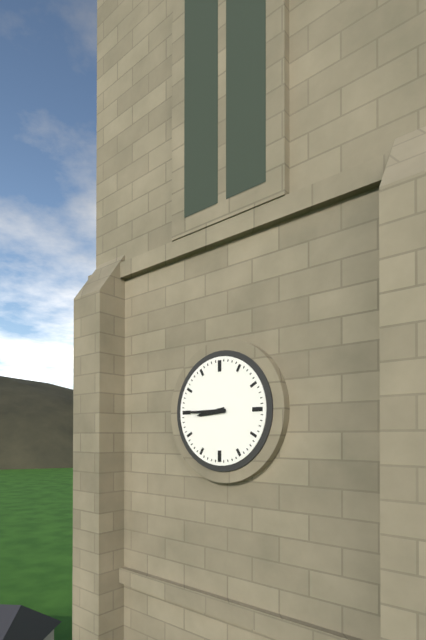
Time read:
8 h 45 min
